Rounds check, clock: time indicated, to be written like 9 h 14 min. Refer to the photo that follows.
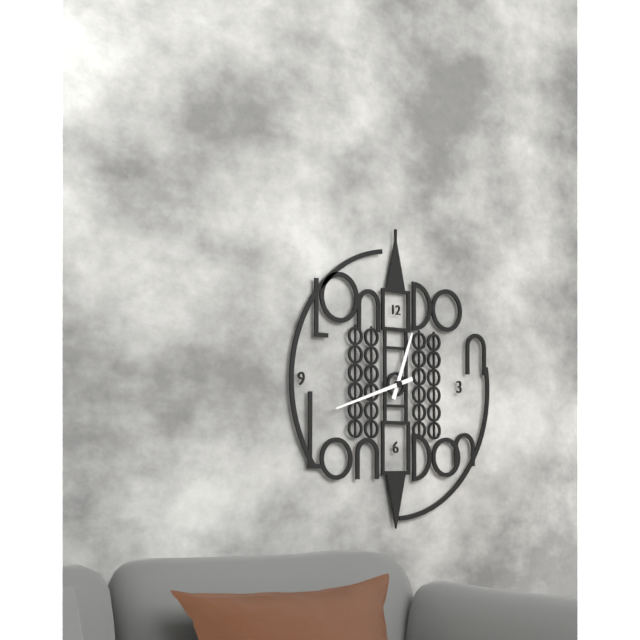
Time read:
12 h 42 min
